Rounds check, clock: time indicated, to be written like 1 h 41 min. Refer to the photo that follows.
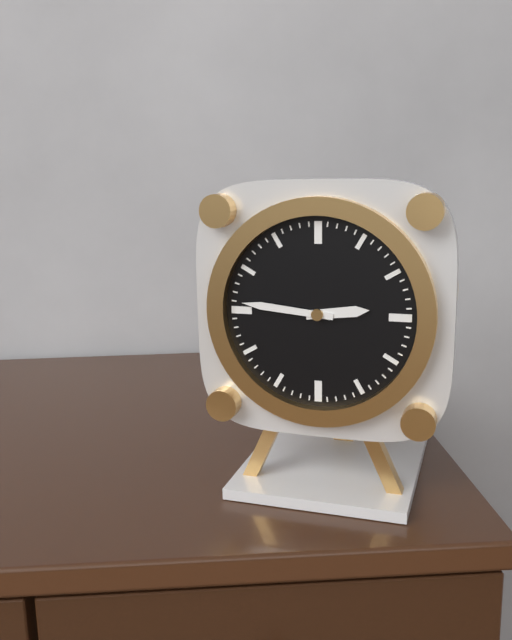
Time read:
2 h 46 min
